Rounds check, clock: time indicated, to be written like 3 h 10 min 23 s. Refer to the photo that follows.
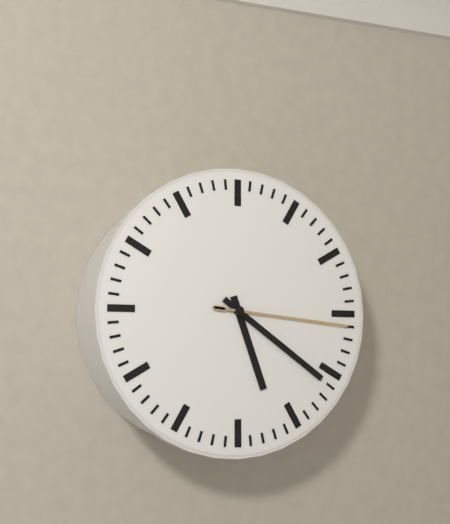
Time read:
5 h 21 min 16 s
